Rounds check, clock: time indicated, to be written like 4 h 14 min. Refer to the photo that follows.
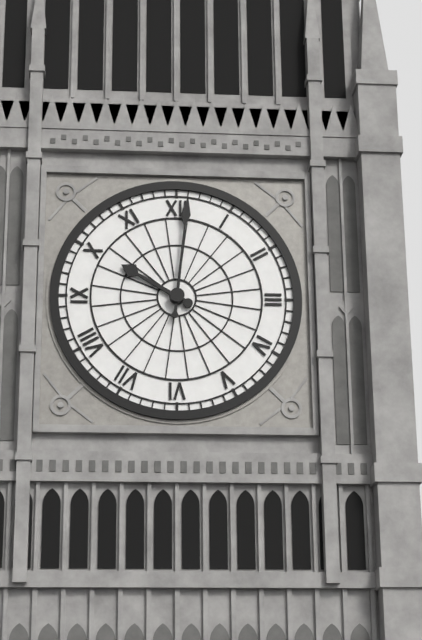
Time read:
10 h 01 min
